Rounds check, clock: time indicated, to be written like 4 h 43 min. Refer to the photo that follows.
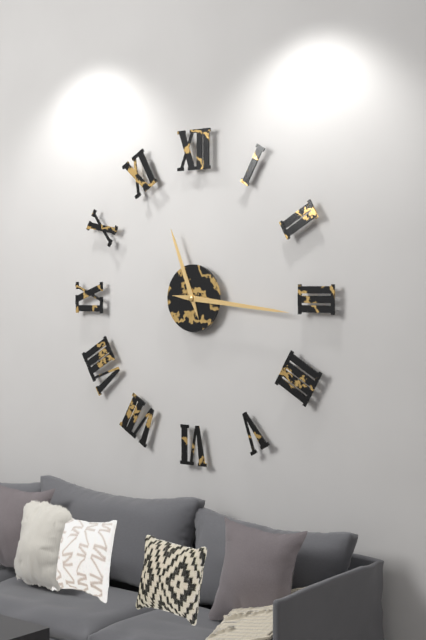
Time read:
11 h 16 min
